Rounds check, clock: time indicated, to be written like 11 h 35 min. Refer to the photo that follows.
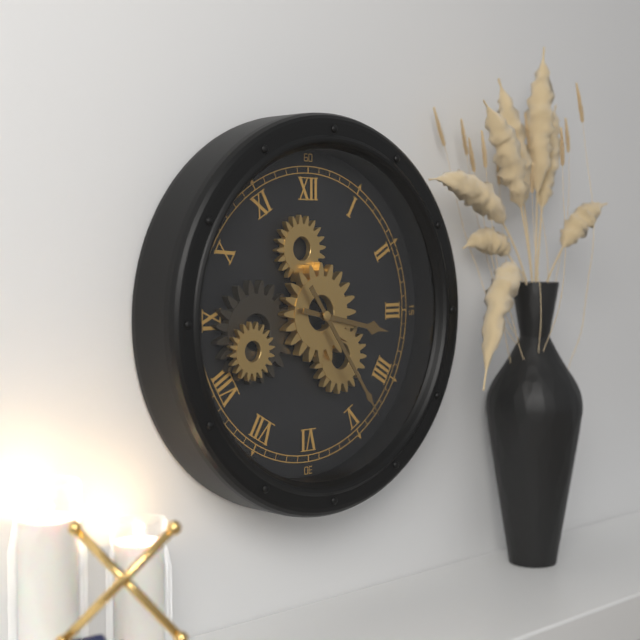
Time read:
3 h 24 min
